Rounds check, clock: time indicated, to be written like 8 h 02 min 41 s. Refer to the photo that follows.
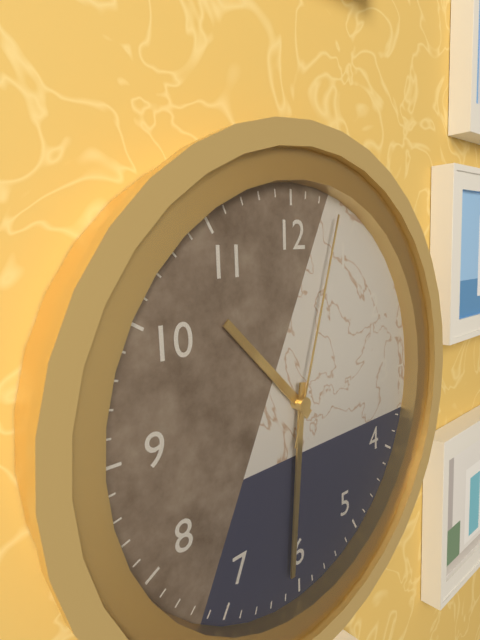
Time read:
10 h 31 min 03 s
